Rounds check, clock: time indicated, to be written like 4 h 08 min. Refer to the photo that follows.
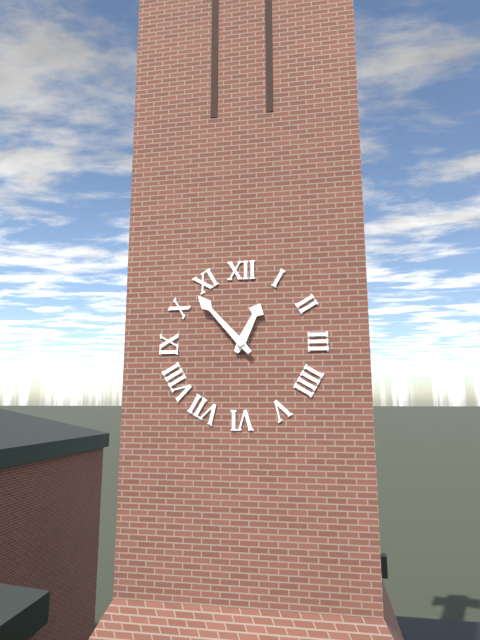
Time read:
12 h 53 min
